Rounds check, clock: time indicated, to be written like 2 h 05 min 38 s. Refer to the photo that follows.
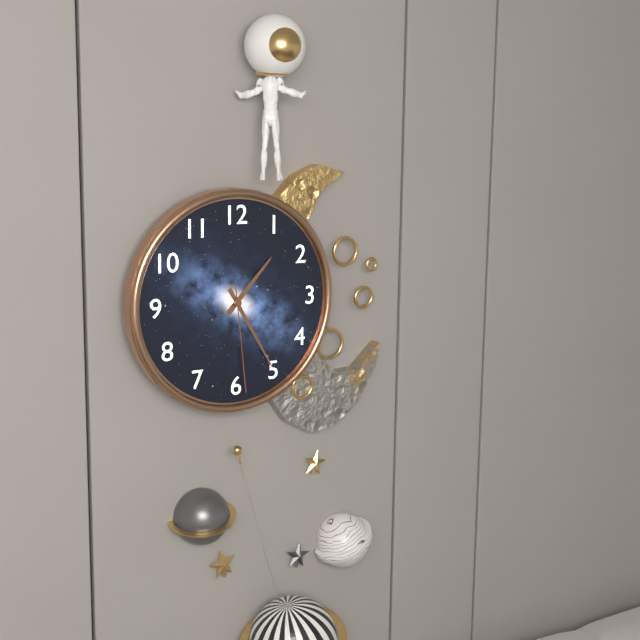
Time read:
1 h 25 min 29 s
